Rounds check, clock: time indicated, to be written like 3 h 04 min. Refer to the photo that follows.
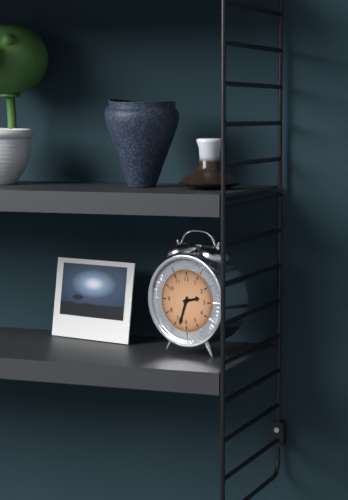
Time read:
2 h 33 min
